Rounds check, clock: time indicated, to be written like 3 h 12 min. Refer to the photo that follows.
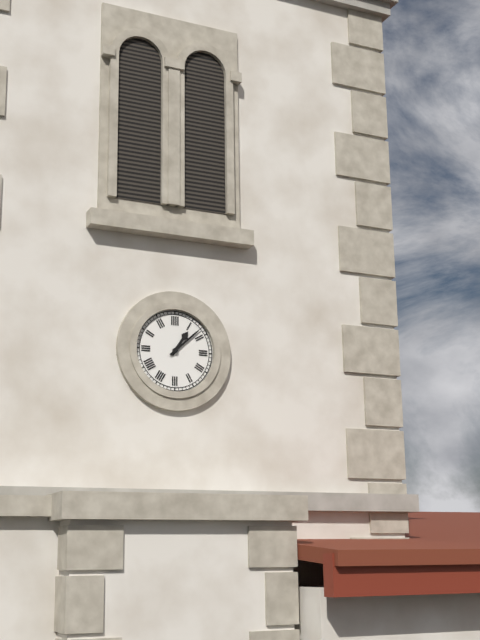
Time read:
1 h 08 min
